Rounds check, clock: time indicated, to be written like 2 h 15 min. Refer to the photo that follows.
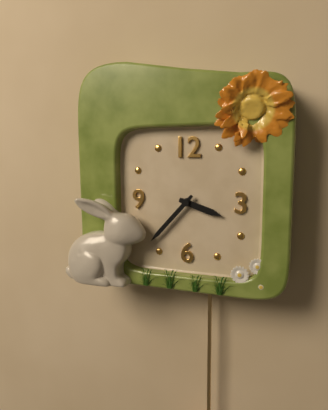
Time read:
3 h 37 min
